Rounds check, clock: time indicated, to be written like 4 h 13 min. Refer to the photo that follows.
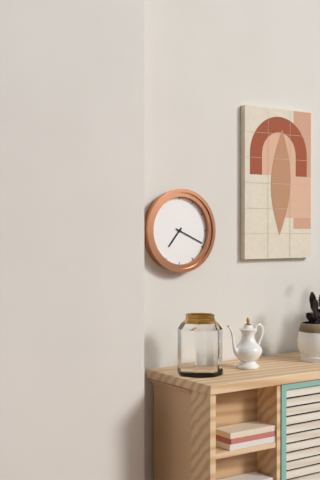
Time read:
7 h 19 min
